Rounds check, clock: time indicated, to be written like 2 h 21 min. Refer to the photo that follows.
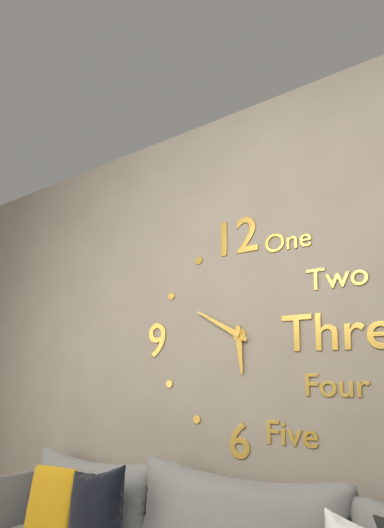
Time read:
5 h 50 min
